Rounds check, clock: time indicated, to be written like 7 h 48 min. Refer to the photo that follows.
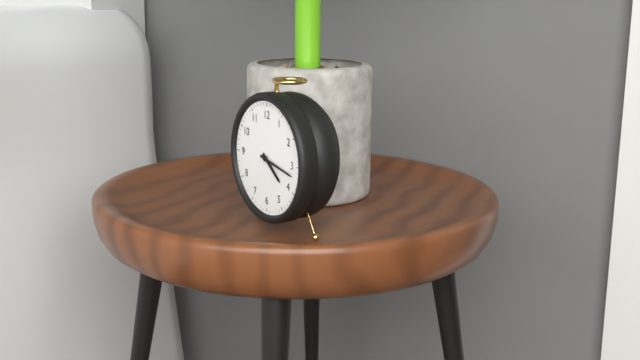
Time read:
4 h 17 min
